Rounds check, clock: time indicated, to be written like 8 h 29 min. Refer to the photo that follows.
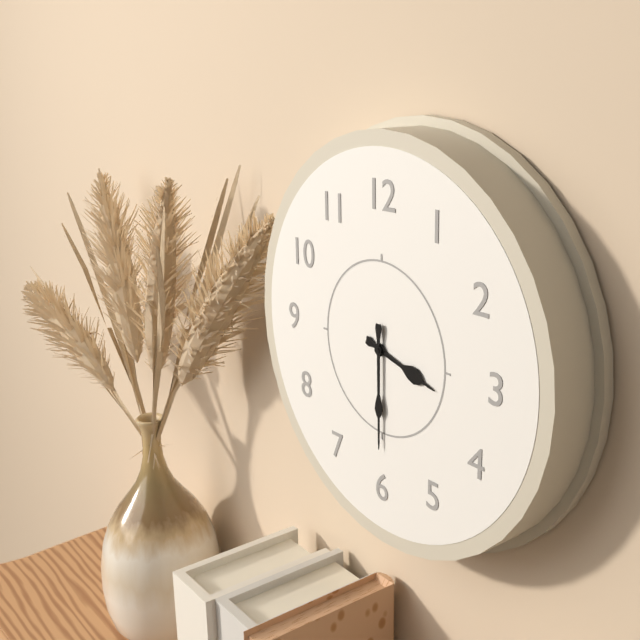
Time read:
3 h 30 min
